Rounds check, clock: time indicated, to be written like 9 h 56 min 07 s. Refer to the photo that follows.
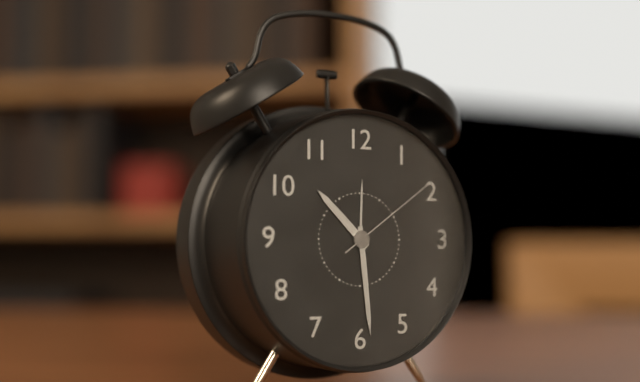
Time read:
10 h 29 min 09 s
